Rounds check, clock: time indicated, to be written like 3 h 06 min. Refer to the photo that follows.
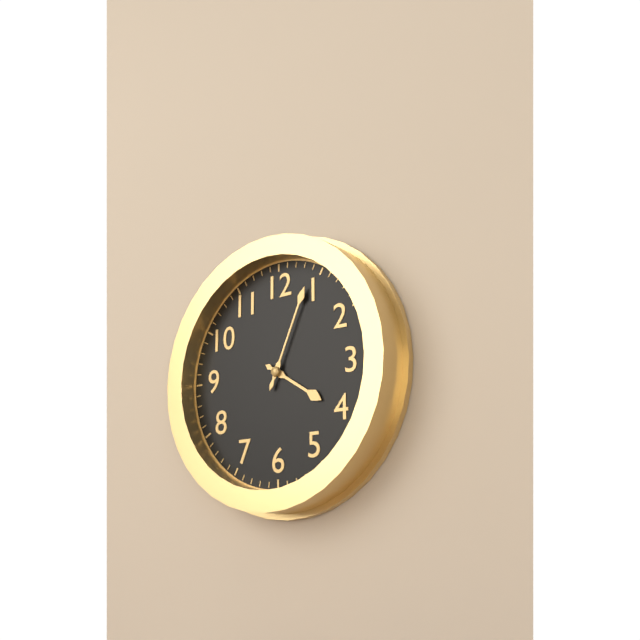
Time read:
4 h 04 min
